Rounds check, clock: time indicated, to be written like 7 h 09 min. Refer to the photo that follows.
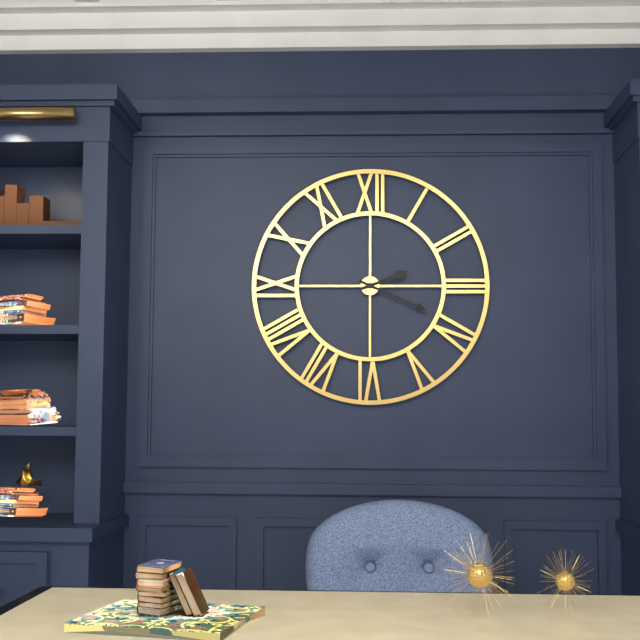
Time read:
2 h 19 min
